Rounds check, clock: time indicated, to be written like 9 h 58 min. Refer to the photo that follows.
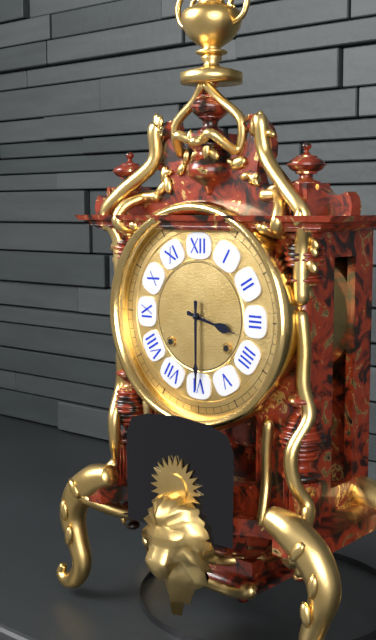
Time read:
3 h 30 min
